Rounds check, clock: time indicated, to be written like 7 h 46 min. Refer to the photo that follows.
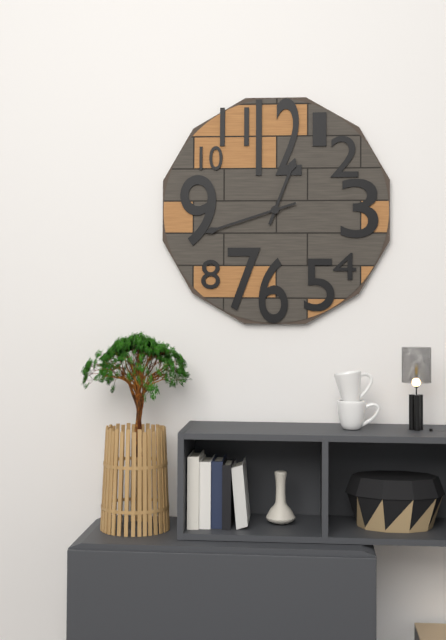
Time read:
12 h 42 min
